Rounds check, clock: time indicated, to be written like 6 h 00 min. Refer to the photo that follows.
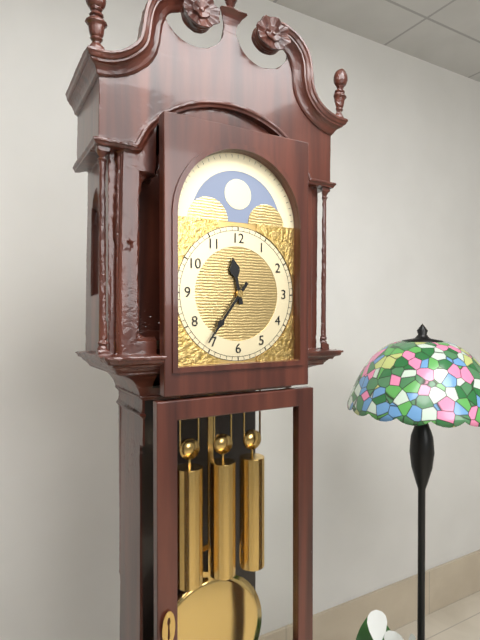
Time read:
11 h 36 min
